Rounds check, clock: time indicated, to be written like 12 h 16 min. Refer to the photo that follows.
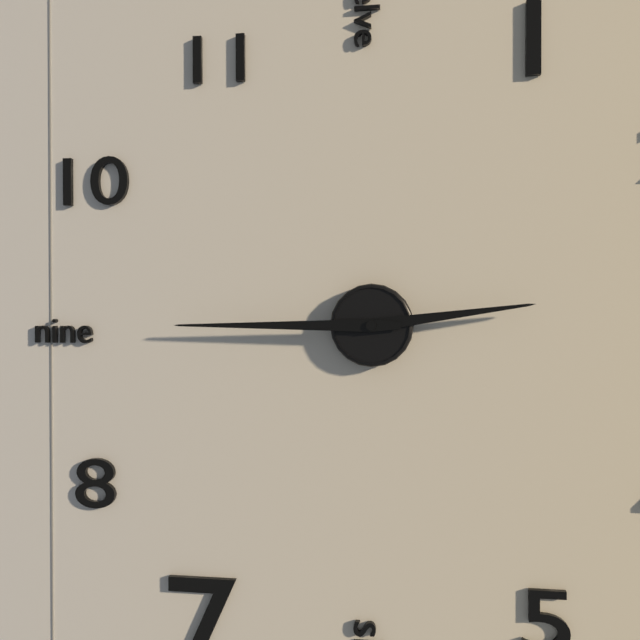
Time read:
2 h 45 min
